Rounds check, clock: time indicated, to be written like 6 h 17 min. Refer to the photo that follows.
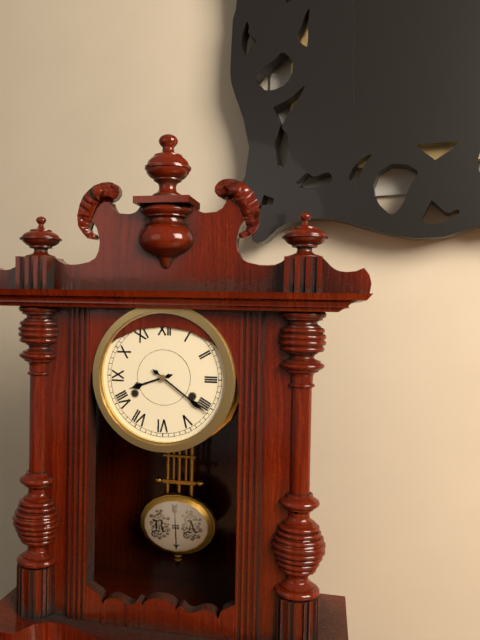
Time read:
8 h 21 min
